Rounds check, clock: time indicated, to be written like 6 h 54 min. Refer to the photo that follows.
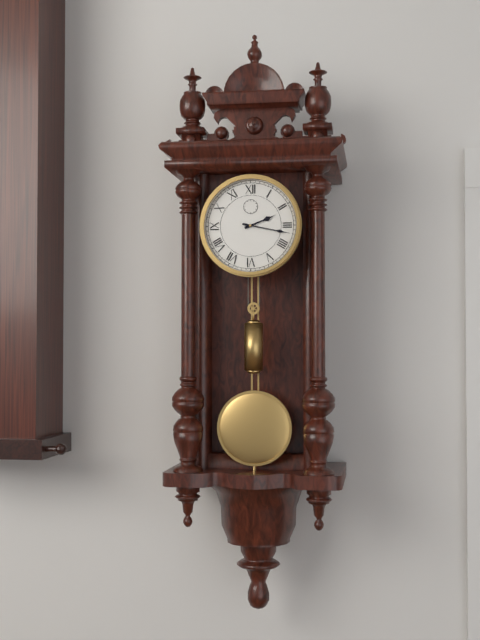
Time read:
2 h 17 min
